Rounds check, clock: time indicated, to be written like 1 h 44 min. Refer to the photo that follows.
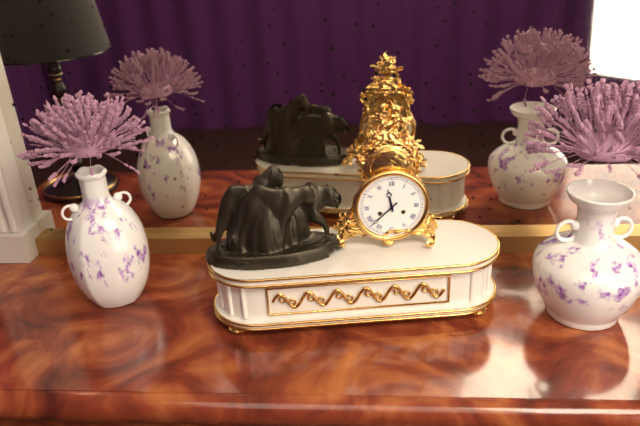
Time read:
11 h 38 min
